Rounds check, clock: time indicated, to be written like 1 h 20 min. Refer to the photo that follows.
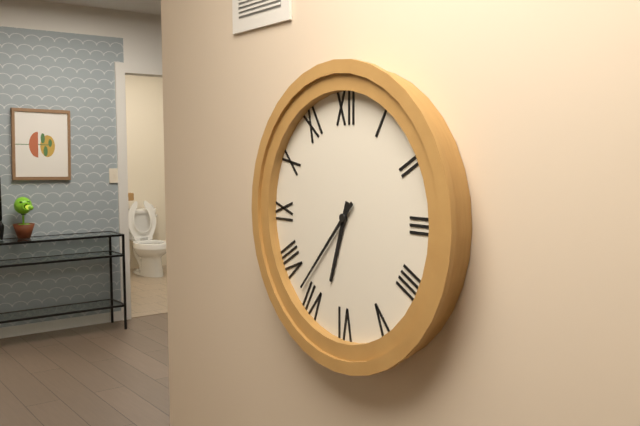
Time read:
6 h 37 min
